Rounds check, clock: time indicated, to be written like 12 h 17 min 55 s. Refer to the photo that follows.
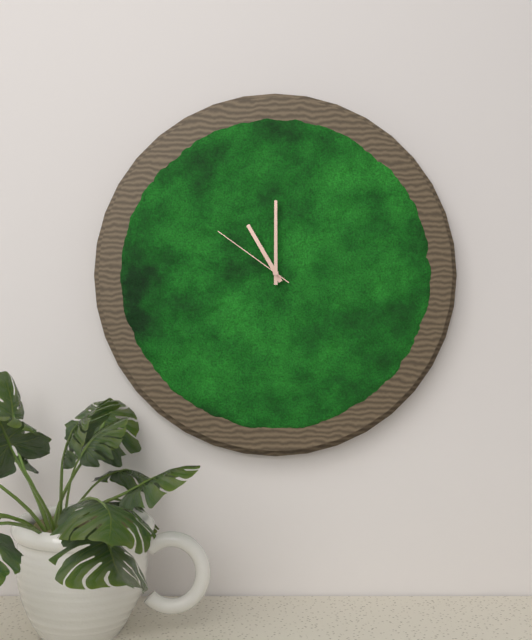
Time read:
11 h 00 min 51 s
